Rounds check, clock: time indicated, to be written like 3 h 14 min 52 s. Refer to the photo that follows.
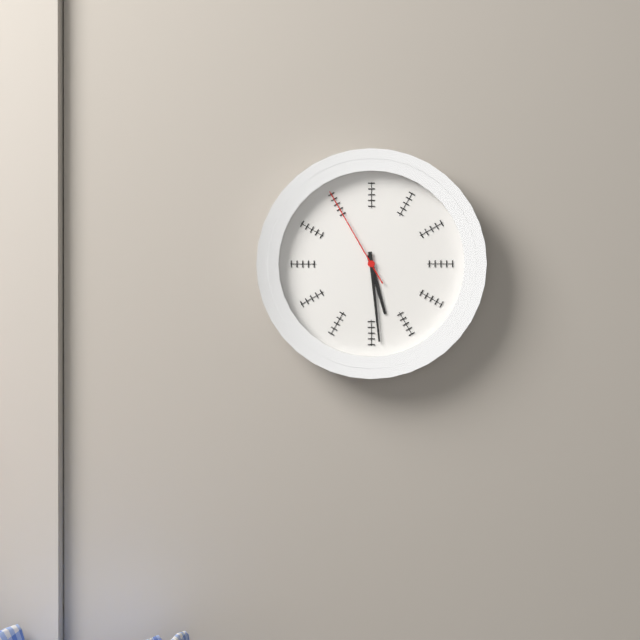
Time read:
5 h 29 min 55 s
